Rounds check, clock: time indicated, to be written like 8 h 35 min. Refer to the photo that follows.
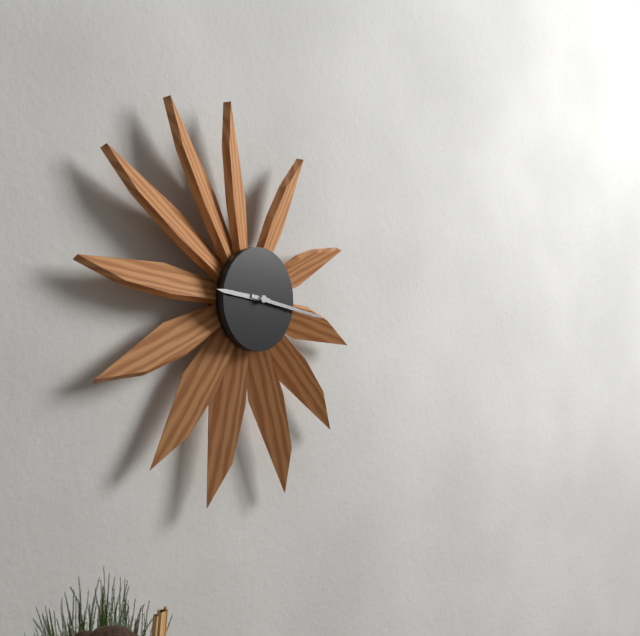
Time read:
9 h 17 min
